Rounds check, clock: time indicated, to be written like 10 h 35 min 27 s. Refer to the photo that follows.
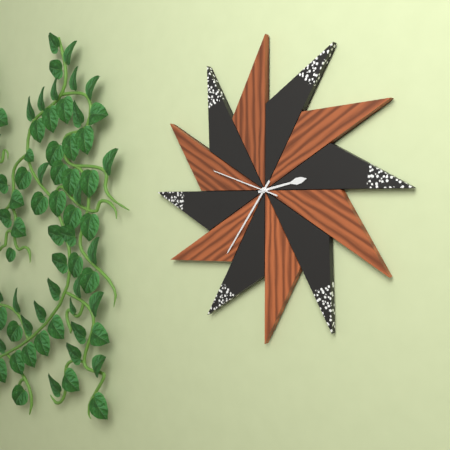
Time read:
2 h 36 min 48 s
